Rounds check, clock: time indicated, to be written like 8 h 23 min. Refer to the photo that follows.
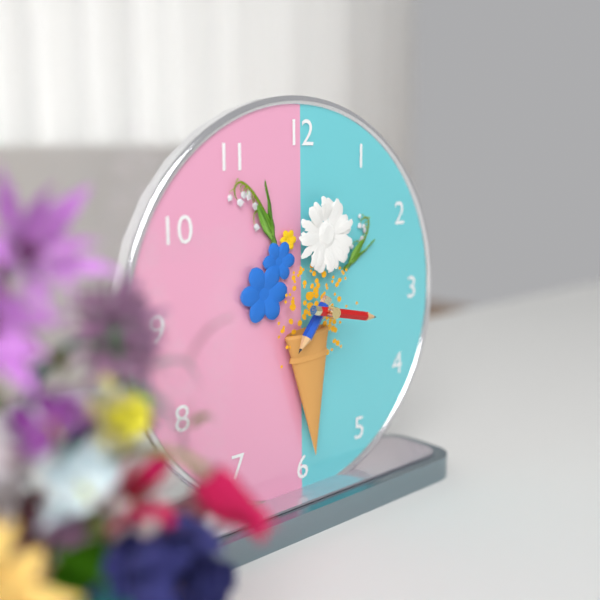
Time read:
7 h 17 min
